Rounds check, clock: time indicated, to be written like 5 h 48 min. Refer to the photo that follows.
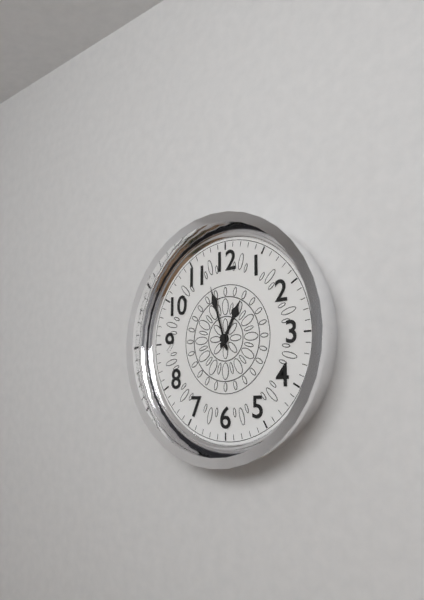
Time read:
12 h 57 min
